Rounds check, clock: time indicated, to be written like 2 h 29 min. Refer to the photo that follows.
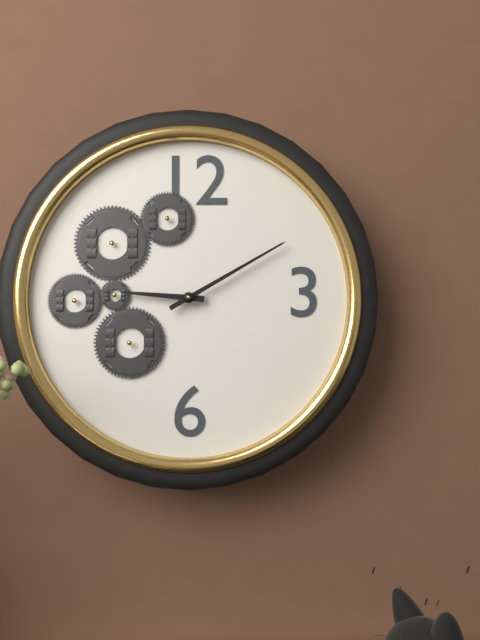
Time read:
9 h 10 min
